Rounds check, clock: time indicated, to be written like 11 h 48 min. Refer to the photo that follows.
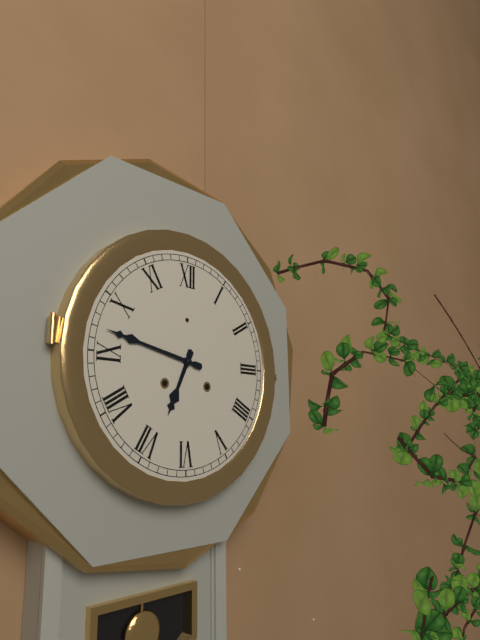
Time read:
6 h 47 min
